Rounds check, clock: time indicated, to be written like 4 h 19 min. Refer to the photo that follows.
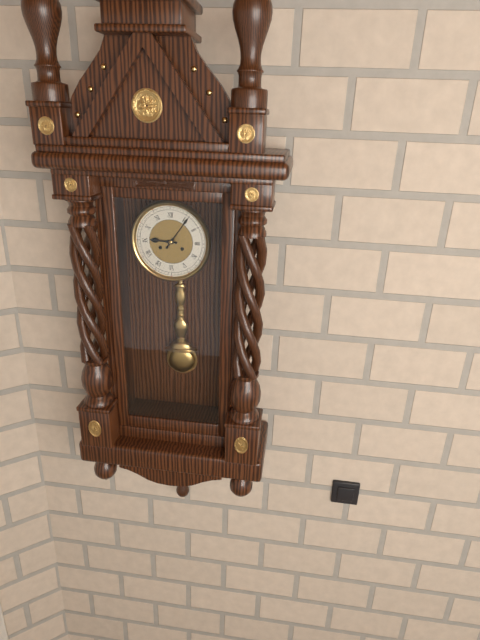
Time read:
9 h 06 min
